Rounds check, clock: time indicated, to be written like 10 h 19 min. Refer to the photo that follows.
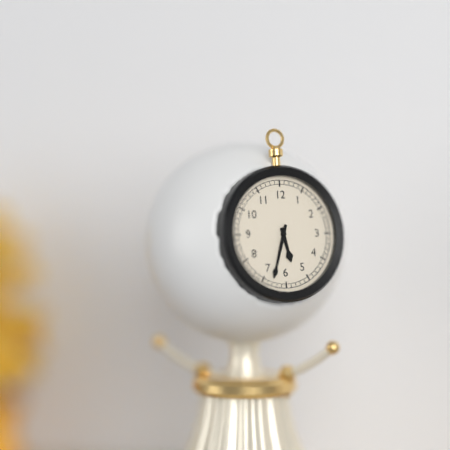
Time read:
5 h 33 min
